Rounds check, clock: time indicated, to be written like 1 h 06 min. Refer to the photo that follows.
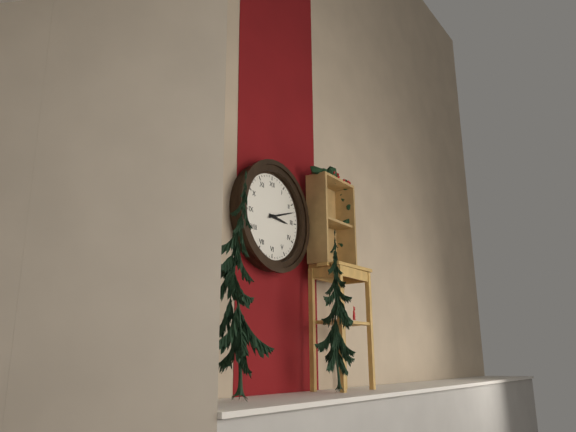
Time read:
3 h 12 min
